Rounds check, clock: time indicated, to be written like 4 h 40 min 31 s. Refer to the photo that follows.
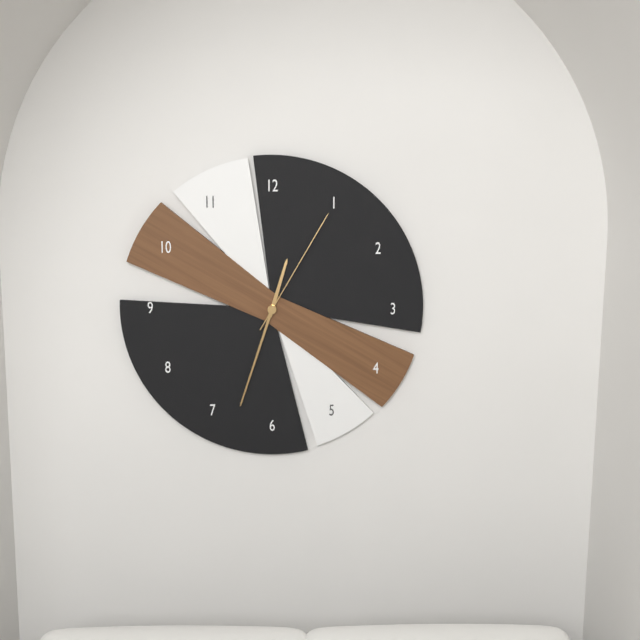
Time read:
12 h 33 min 05 s
